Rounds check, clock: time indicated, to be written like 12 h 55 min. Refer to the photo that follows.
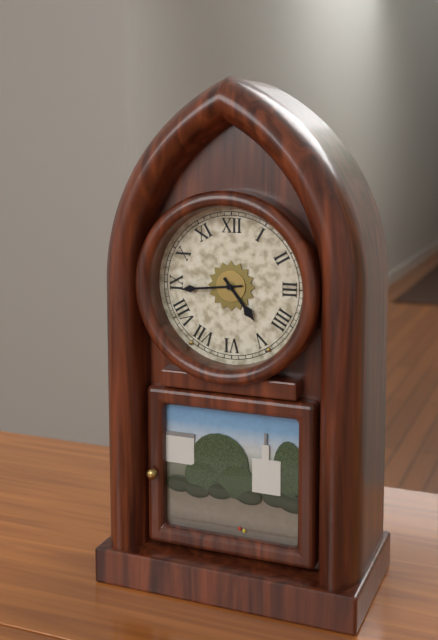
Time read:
4 h 44 min
